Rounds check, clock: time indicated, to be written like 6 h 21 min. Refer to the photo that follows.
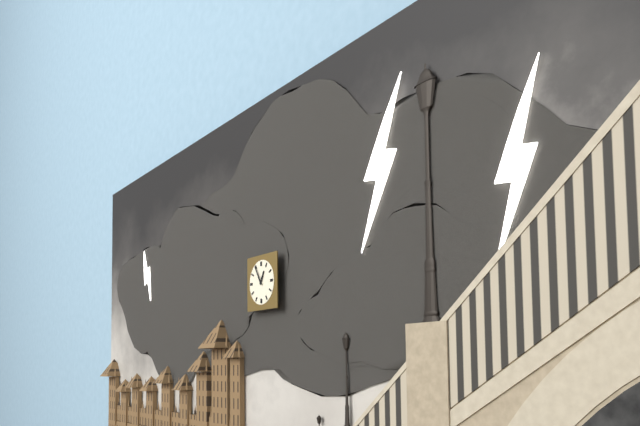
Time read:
12 h 55 min
